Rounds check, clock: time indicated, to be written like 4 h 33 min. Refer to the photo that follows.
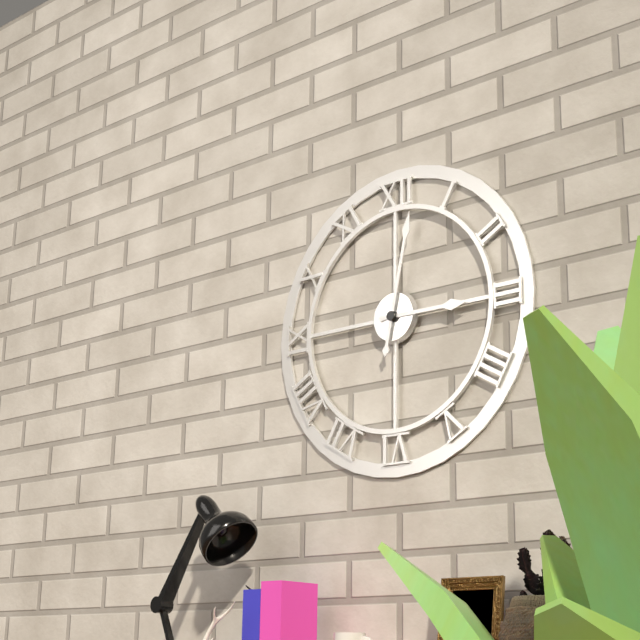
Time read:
3 h 02 min
